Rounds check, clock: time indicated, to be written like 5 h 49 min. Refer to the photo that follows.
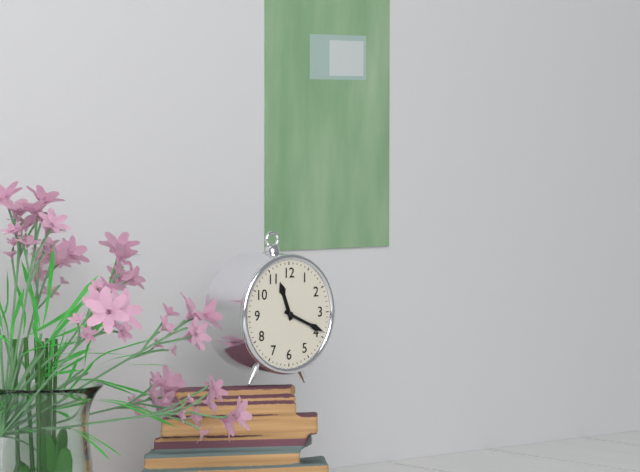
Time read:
11 h 19 min
